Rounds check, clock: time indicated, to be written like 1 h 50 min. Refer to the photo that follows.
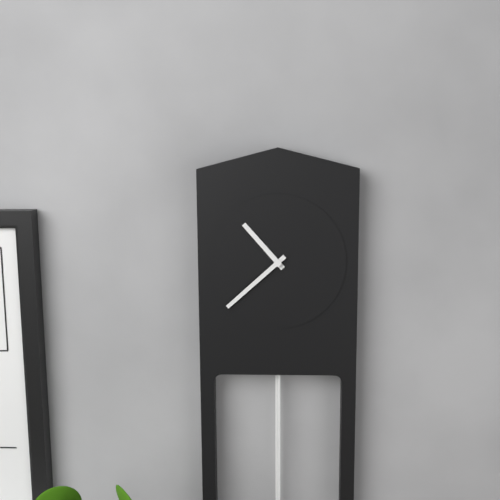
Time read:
10 h 38 min
